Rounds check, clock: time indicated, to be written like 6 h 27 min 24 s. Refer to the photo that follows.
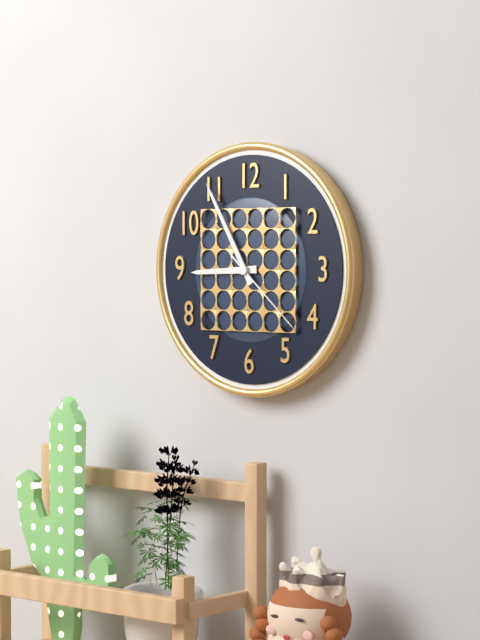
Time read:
8 h 55 min 22 s
